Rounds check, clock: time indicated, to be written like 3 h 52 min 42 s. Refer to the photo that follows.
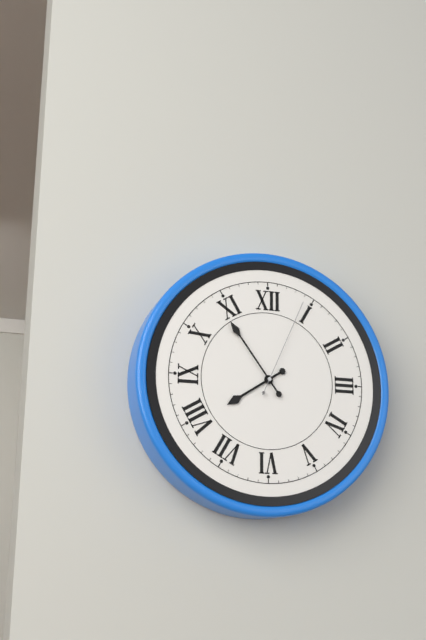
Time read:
7 h 54 min 04 s
